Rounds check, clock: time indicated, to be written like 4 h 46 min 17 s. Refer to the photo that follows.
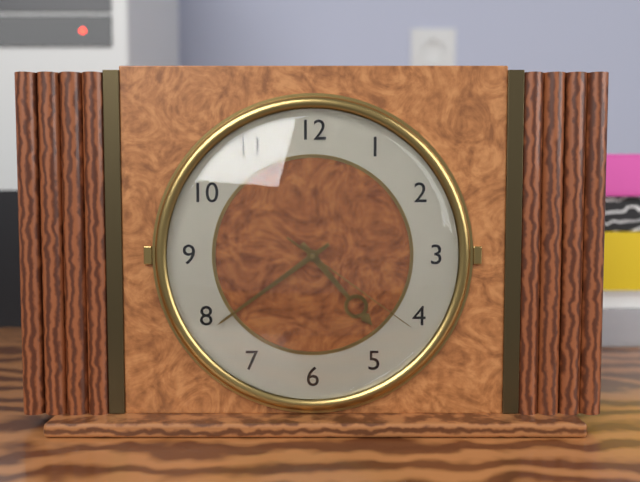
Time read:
4 h 39 min 21 s
